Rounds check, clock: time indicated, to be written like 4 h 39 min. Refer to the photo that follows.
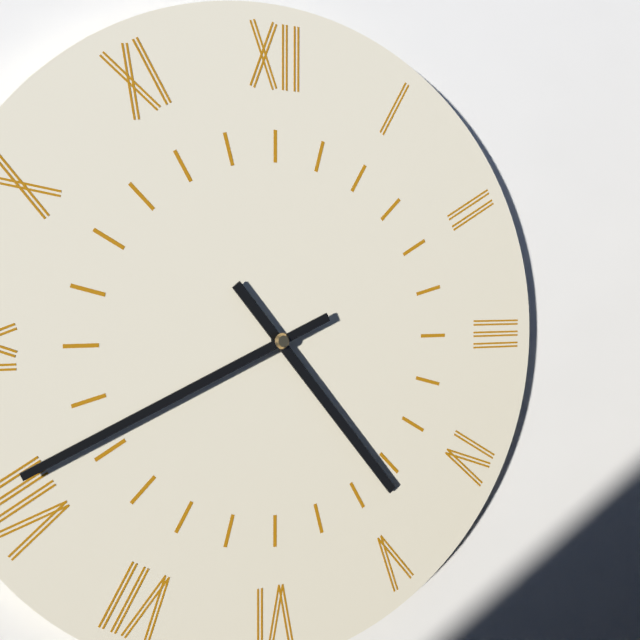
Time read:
4 h 41 min
